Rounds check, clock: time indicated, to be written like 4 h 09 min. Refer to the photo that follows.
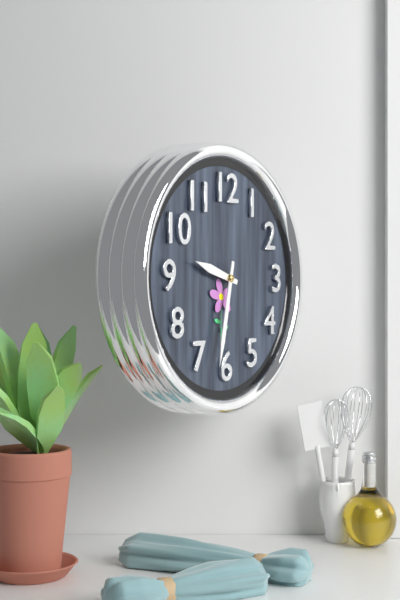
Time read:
9 h 32 min
